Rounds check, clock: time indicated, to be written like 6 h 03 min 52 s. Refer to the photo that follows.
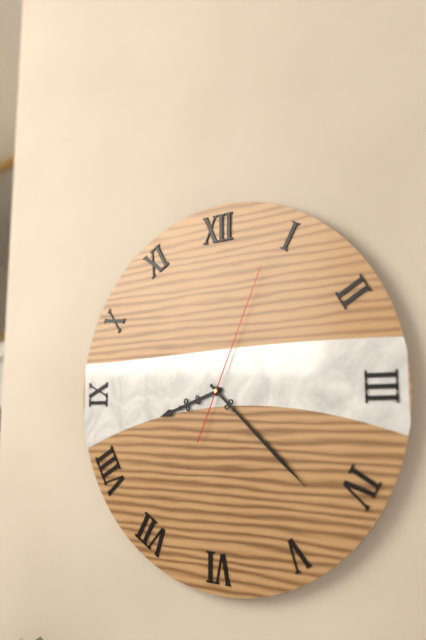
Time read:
8 h 22 min 04 s
